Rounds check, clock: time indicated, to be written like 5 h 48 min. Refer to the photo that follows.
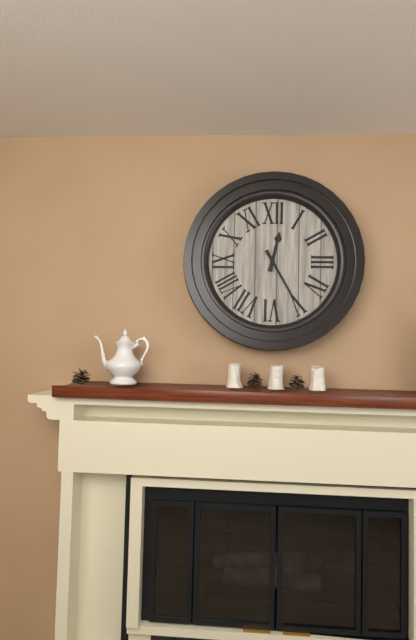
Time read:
12 h 25 min
